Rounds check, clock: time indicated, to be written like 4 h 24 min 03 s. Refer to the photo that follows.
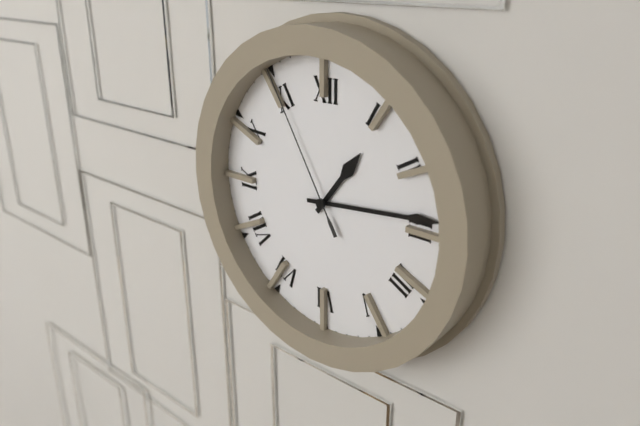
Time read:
1 h 14 min 55 s
